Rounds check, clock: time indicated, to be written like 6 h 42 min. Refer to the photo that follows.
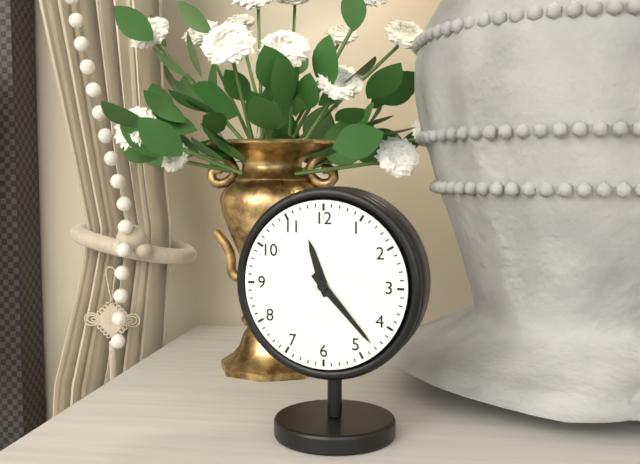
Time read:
11 h 23 min
